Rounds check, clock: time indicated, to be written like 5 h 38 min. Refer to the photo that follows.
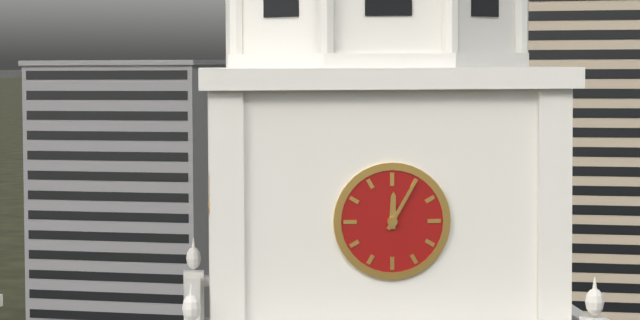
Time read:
12 h 05 min
